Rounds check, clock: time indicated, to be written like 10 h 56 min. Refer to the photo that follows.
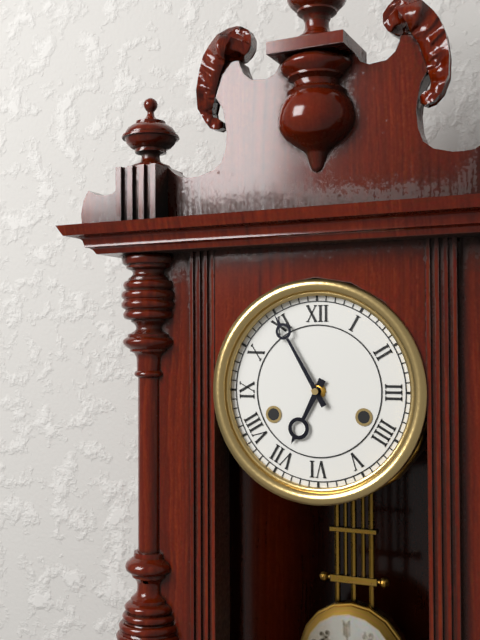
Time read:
6 h 55 min
